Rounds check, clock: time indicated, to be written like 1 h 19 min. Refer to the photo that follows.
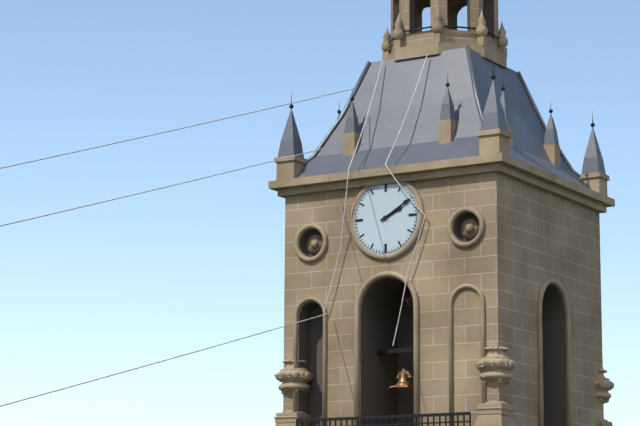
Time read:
2 h 10 min
